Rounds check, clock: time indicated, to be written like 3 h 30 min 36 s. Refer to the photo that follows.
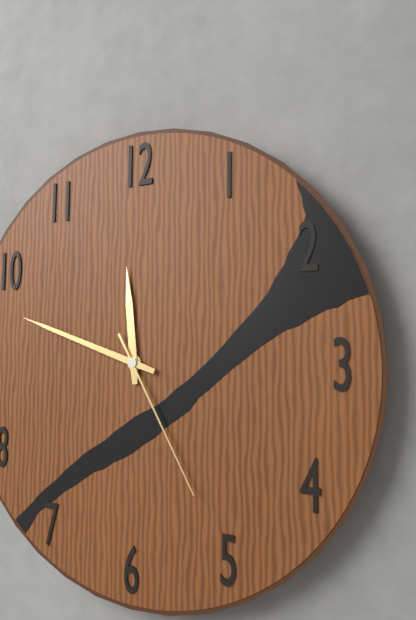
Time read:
11 h 48 min 25 s
